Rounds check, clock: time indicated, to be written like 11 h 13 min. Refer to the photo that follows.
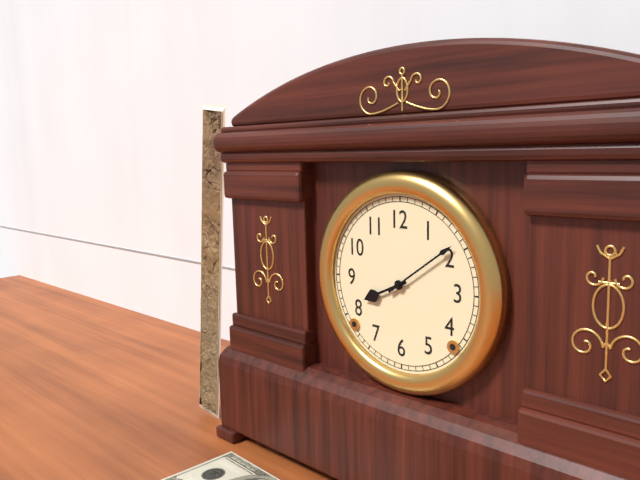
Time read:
8 h 09 min
